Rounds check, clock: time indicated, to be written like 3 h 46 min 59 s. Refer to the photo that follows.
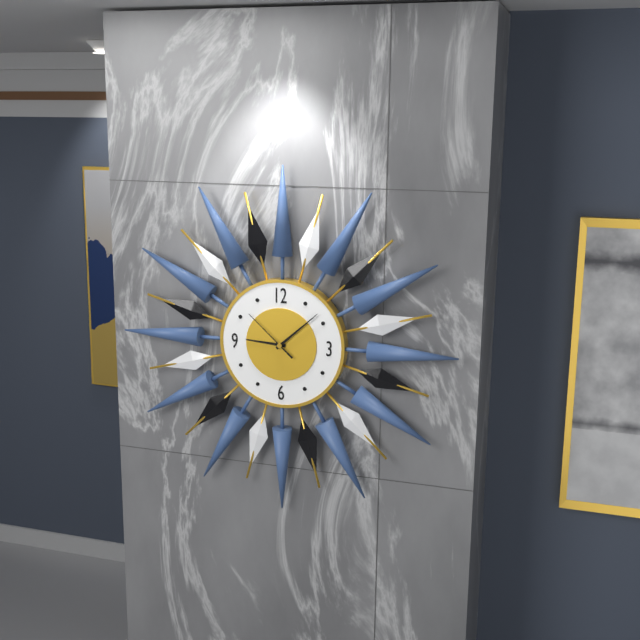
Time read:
9 h 08 min 52 s
